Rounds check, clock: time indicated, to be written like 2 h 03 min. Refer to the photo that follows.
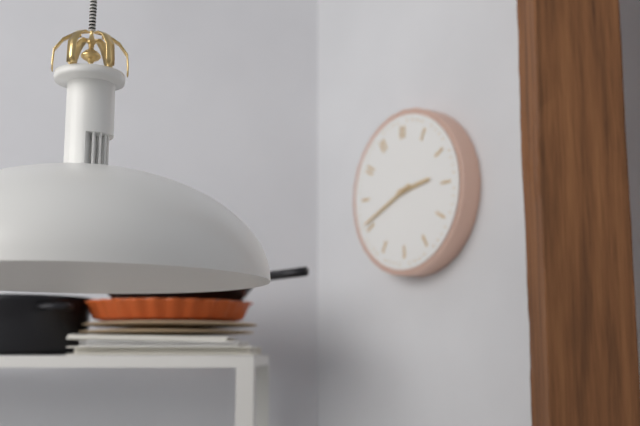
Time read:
2 h 41 min
